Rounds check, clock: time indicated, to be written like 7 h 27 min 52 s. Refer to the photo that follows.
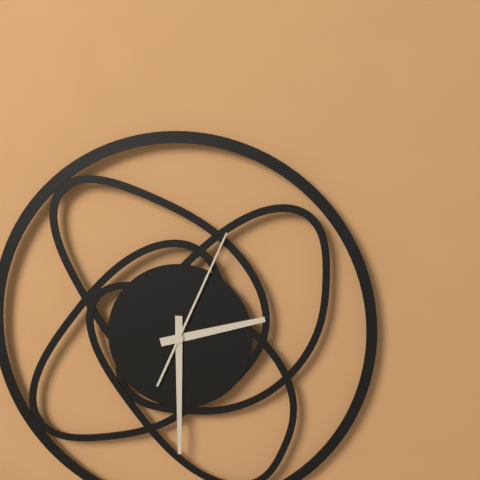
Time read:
2 h 30 min 04 s
